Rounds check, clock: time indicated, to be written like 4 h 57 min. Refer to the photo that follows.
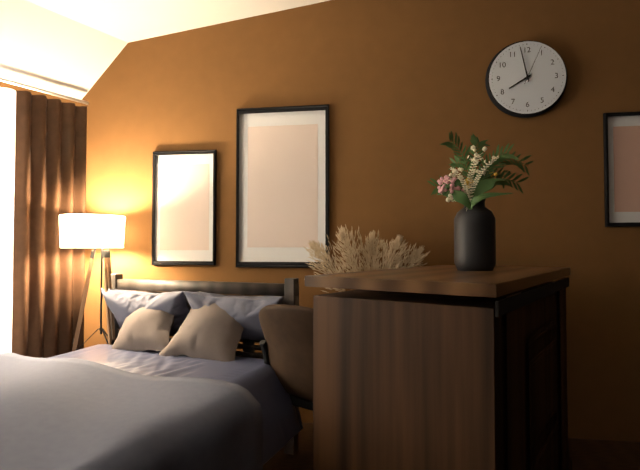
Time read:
7 h 58 min
